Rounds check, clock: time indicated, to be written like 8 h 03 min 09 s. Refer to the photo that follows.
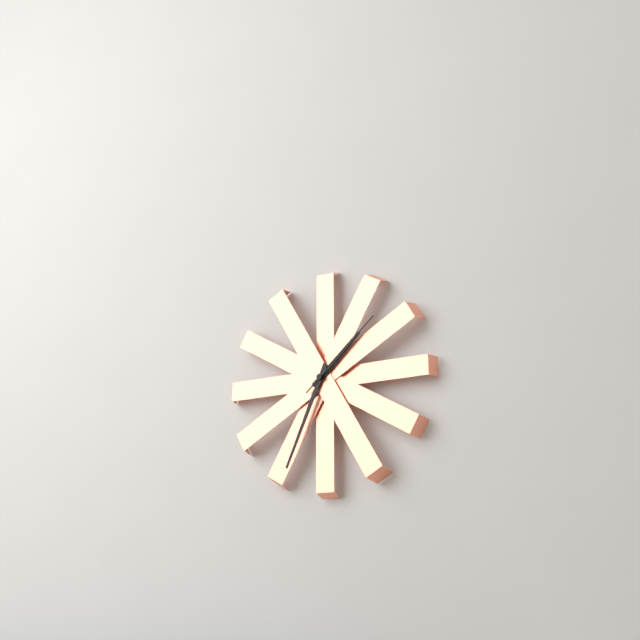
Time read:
1 h 34 min 08 s
